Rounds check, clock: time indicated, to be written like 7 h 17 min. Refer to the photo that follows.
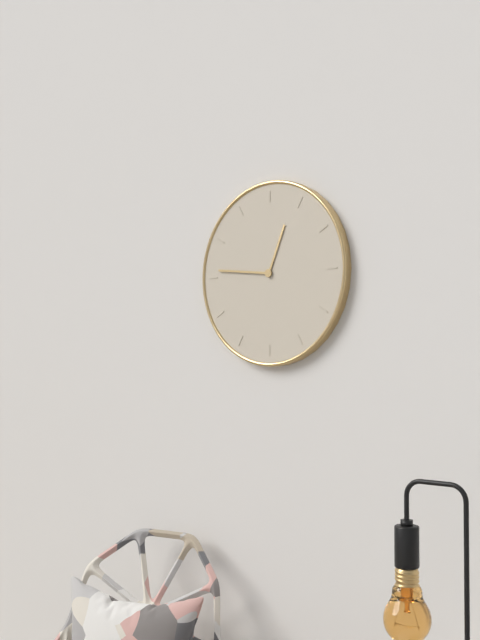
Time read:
12 h 46 min
